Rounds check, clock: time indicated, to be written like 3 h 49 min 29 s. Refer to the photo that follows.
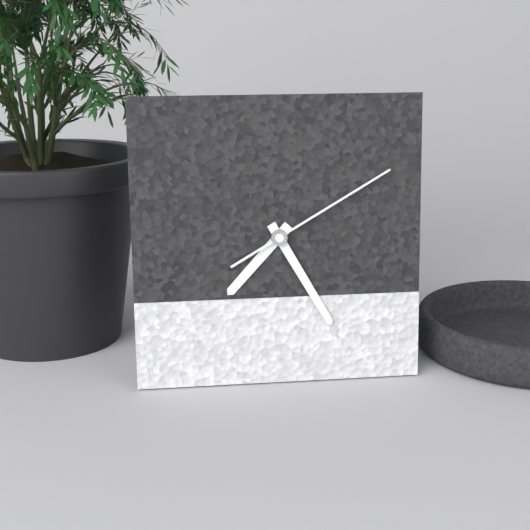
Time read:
7 h 25 min 10 s
